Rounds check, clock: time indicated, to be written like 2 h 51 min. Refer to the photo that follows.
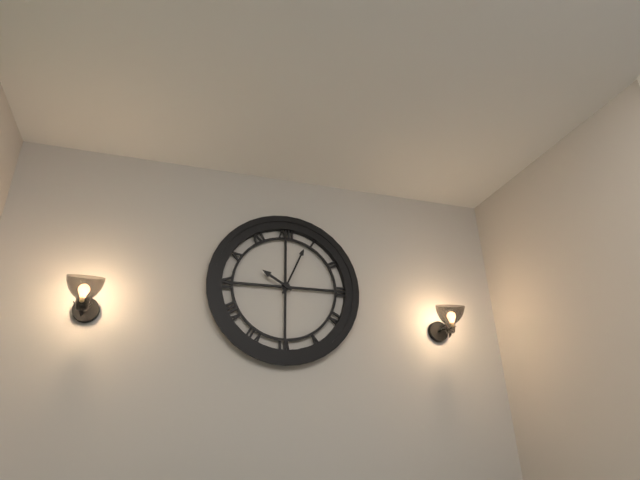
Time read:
10 h 04 min
